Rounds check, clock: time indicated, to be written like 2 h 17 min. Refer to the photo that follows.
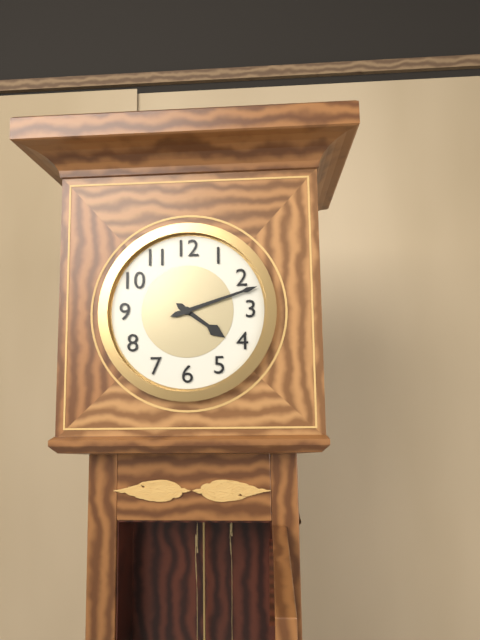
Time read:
4 h 12 min
